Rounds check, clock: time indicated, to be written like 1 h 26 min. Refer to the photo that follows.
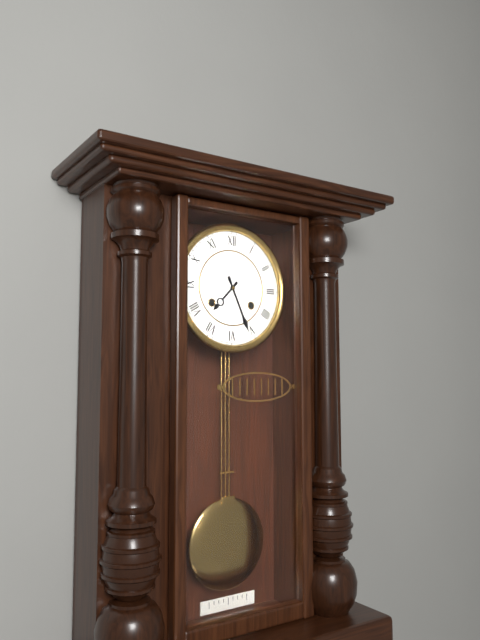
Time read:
7 h 26 min
